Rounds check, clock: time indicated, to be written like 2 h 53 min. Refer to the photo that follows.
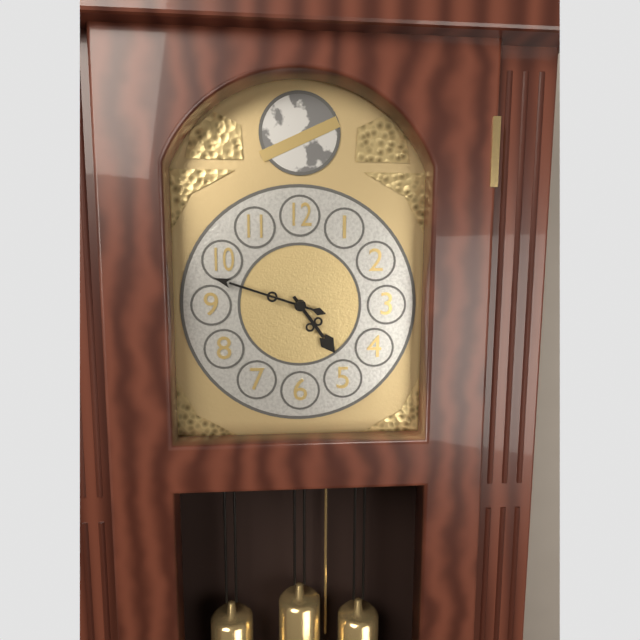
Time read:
4 h 48 min
